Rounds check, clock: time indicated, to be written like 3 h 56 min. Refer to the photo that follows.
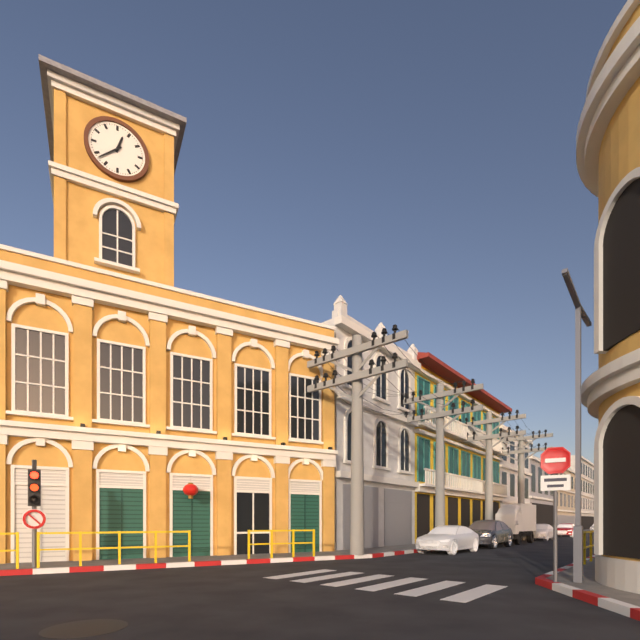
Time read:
12 h 38 min
